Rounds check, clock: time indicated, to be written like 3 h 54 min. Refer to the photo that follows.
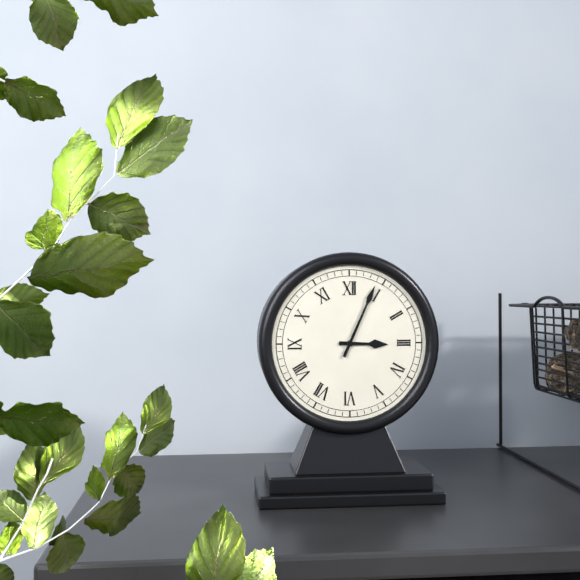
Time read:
3 h 04 min
